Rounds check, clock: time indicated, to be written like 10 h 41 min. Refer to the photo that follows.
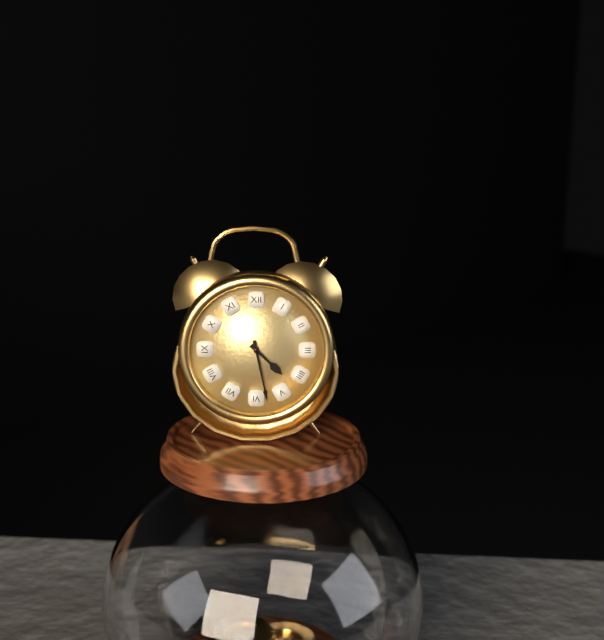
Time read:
4 h 28 min
